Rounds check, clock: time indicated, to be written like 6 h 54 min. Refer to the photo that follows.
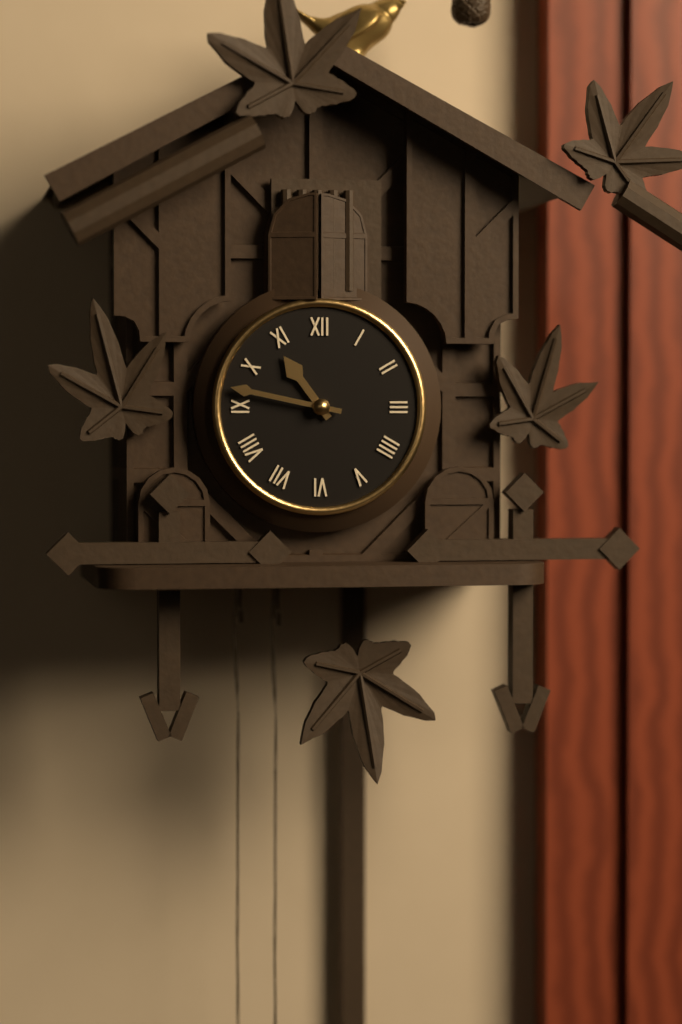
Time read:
10 h 47 min
